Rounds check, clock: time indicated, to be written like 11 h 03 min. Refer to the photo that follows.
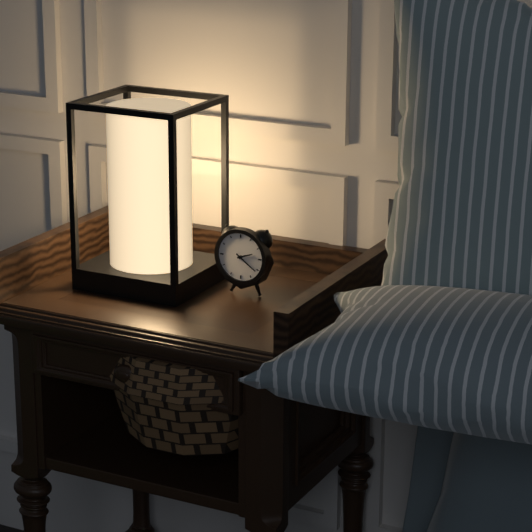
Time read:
2 h 21 min
